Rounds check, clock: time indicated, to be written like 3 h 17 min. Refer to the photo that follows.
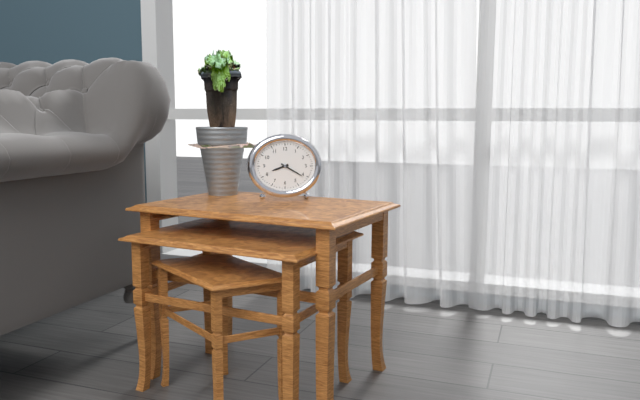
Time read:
8 h 20 min
